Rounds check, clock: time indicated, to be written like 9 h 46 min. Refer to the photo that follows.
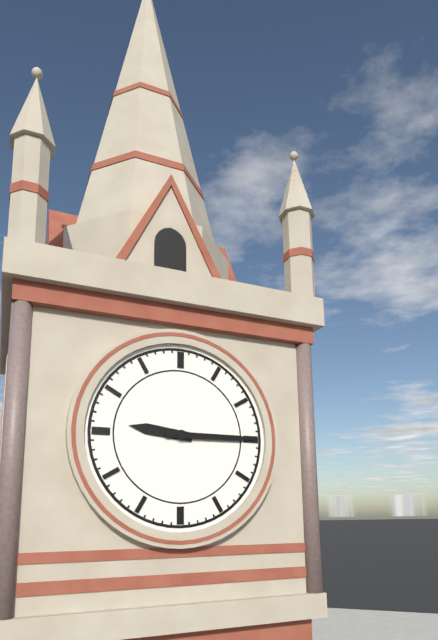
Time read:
9 h 15 min
